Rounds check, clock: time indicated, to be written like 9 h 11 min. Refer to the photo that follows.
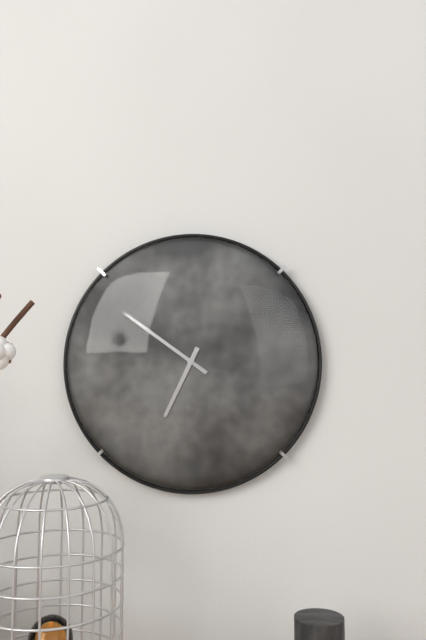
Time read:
6 h 51 min
